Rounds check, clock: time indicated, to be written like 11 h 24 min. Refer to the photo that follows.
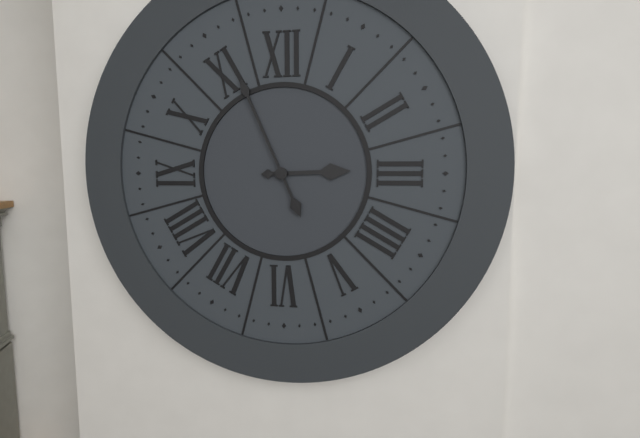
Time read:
2 h 56 min
